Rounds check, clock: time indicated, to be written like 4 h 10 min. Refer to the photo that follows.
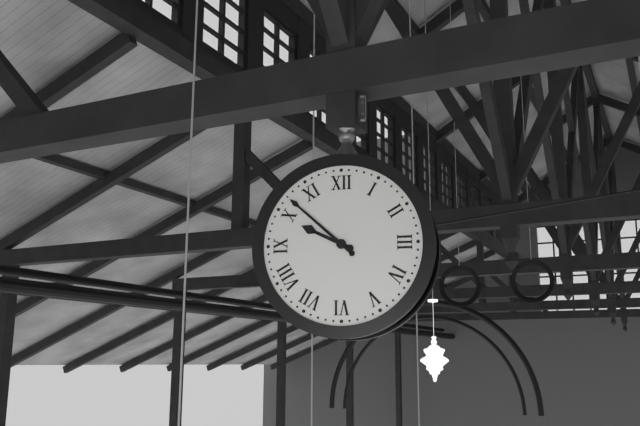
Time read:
9 h 52 min
